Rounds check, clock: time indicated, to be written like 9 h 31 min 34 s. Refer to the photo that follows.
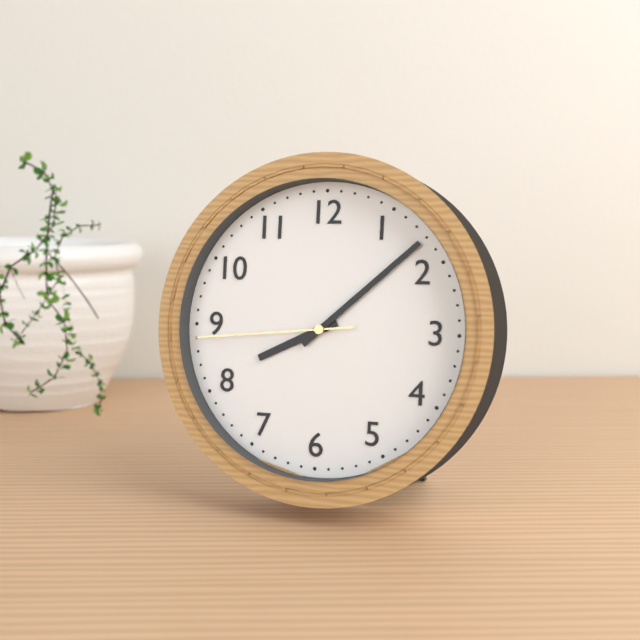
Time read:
8 h 08 min 44 s
